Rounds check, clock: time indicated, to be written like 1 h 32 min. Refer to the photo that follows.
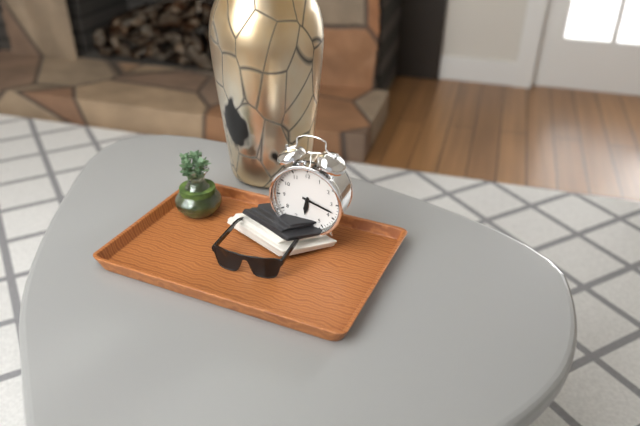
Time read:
6 h 18 min
